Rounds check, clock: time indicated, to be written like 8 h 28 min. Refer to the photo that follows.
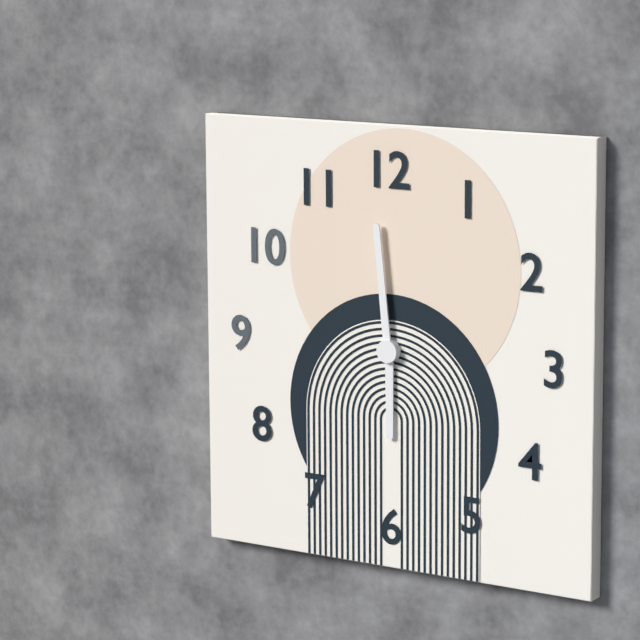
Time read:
5 h 59 min
